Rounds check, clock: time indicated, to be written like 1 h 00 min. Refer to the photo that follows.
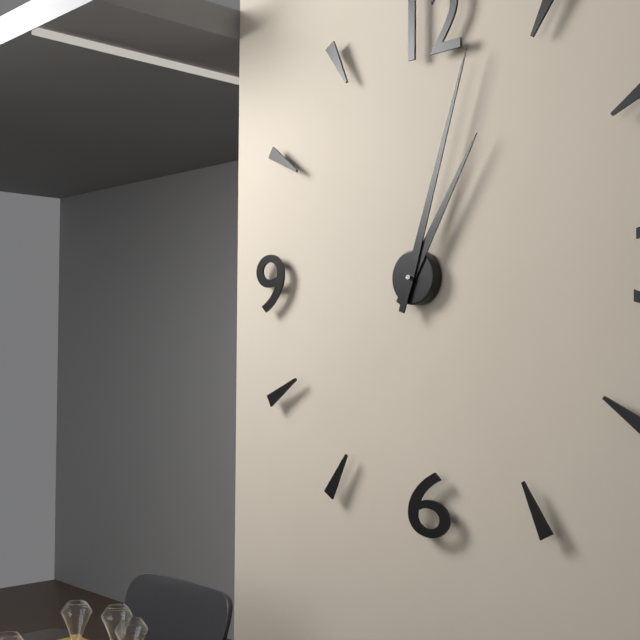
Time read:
1 h 03 min
